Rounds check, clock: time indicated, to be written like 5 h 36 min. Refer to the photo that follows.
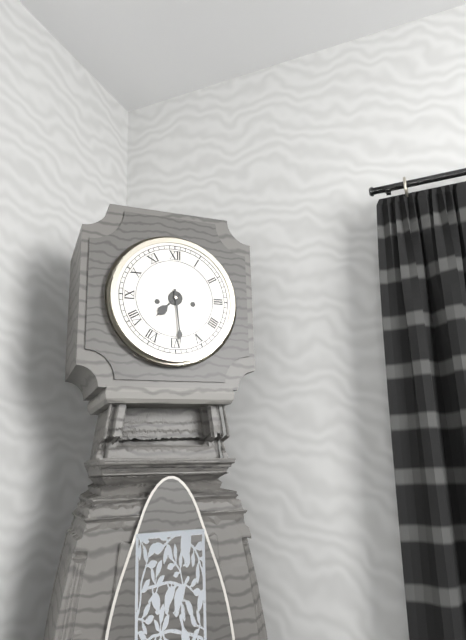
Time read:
7 h 29 min
